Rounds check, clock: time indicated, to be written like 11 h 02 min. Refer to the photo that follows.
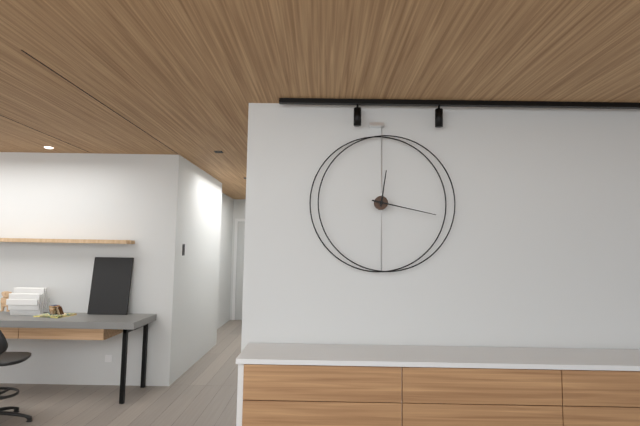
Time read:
12 h 17 min
